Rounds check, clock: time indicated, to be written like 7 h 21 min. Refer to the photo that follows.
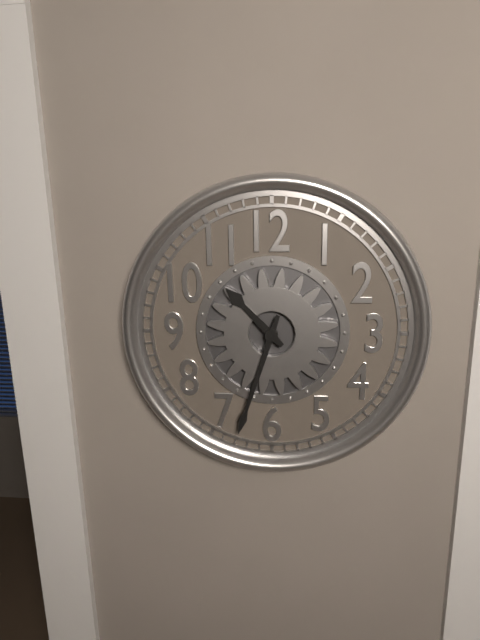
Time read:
10 h 33 min
